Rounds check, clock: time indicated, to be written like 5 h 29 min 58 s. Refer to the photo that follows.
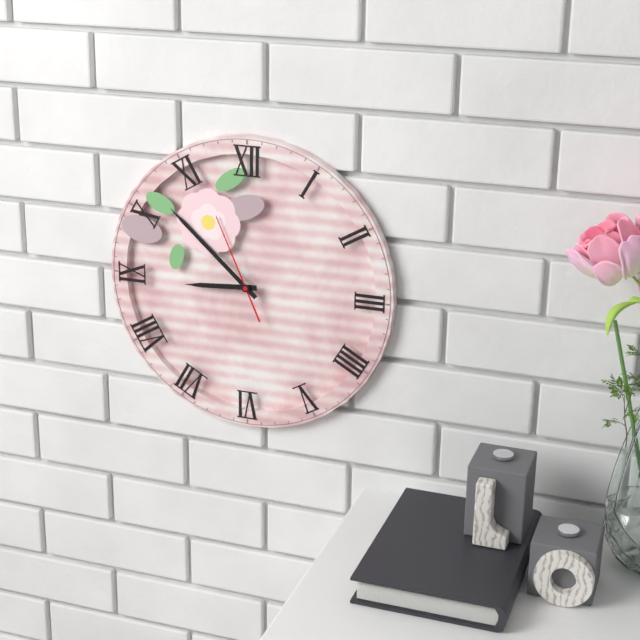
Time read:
8 h 52 min 56 s
